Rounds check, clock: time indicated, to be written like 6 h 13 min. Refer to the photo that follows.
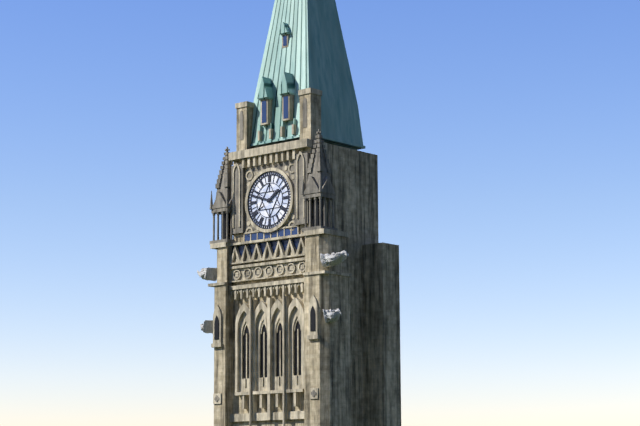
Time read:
1 h 48 min
